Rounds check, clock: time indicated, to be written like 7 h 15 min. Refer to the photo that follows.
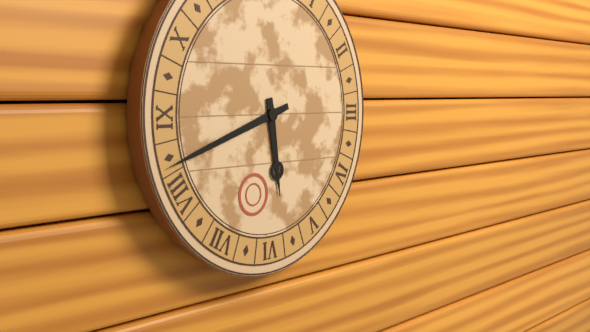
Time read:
5 h 42 min
